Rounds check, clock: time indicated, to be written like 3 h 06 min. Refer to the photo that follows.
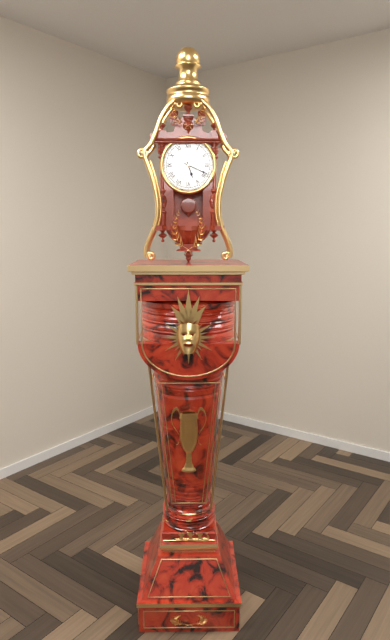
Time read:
5 h 19 min
